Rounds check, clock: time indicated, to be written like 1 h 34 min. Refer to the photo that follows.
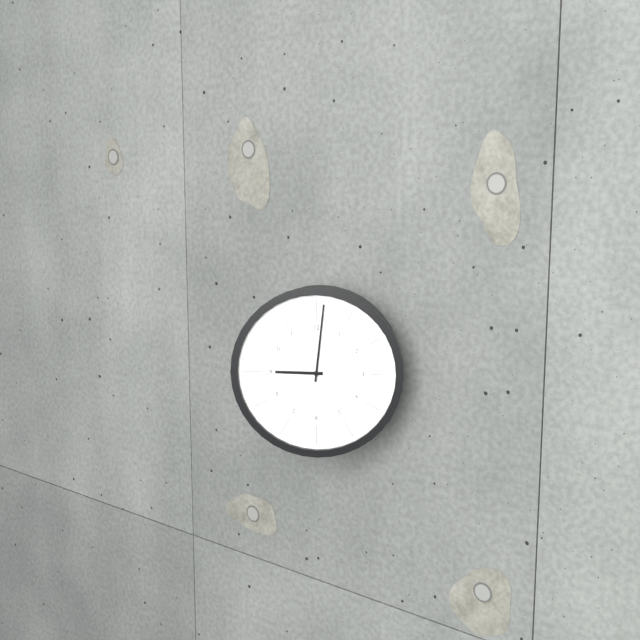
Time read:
9 h 01 min
